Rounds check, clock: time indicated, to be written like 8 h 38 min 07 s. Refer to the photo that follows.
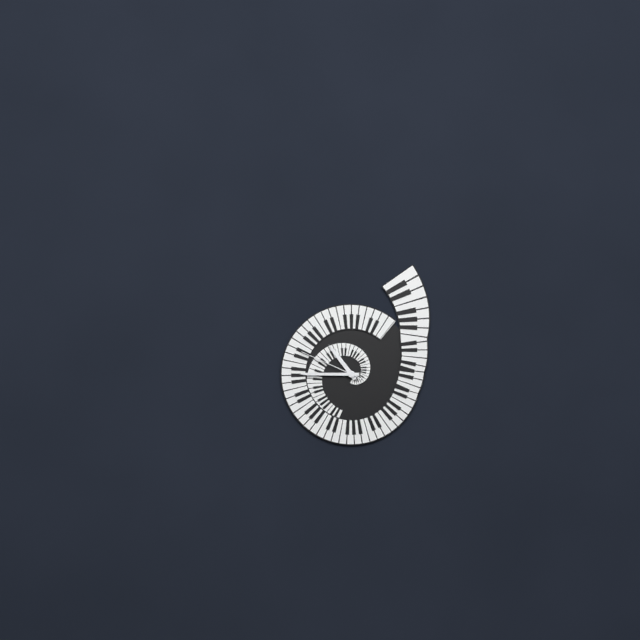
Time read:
10 h 45 min 49 s
